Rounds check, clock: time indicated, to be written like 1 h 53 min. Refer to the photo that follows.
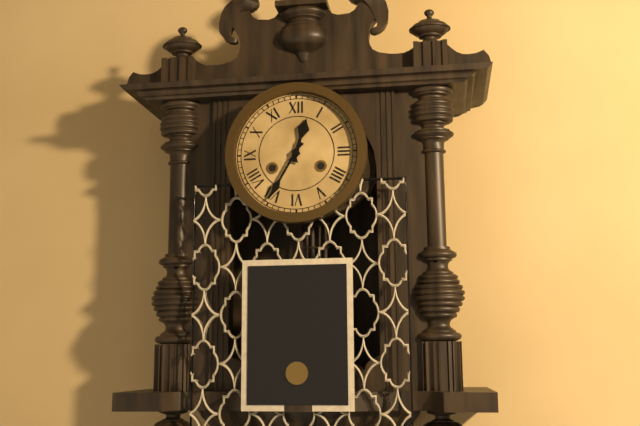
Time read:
12 h 35 min
